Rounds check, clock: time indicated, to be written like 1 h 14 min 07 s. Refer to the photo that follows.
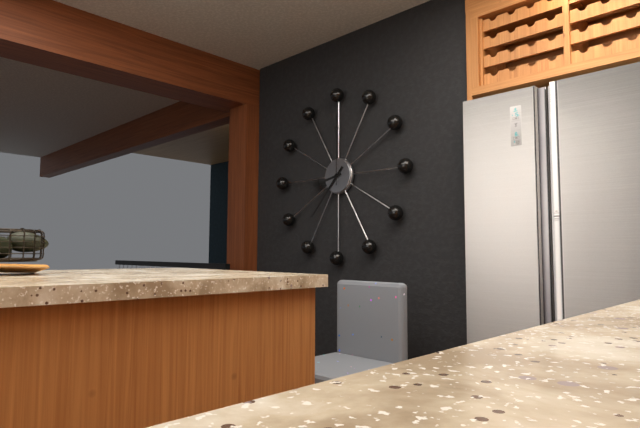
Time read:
8 h 37 min 00 s
